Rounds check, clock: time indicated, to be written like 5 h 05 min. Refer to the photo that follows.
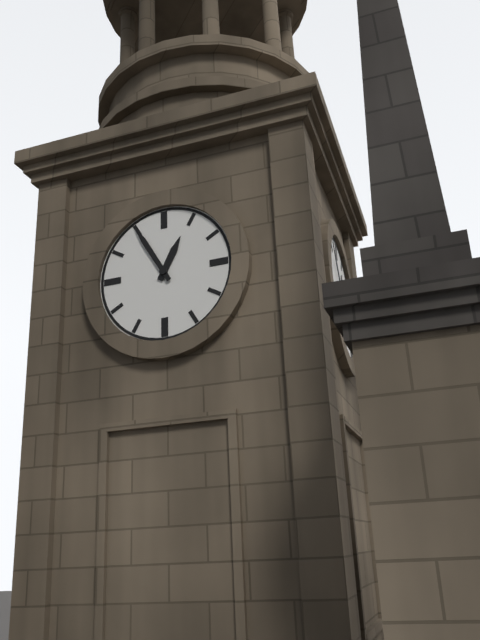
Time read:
12 h 55 min
